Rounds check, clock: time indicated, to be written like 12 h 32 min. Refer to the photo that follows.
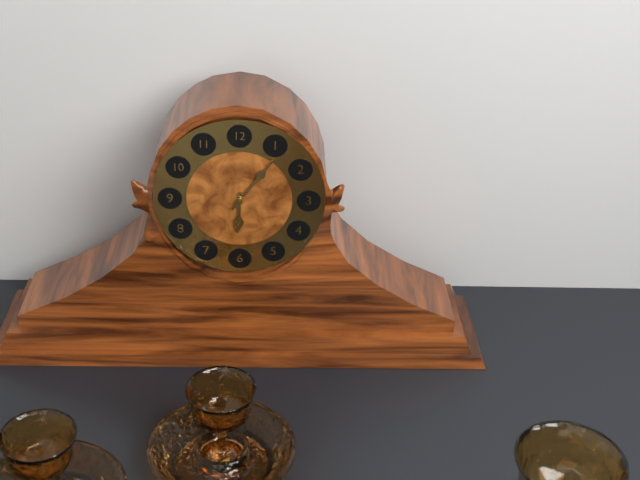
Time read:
6 h 06 min
